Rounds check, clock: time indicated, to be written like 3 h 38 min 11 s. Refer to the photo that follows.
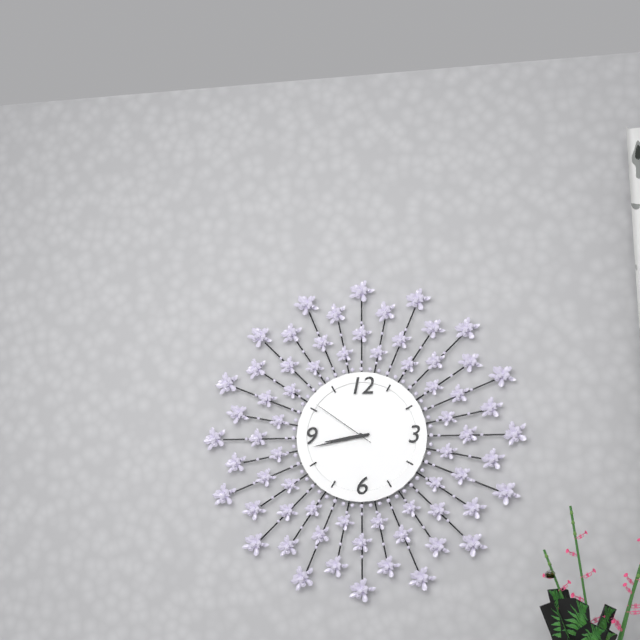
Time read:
8 h 43 min 51 s
